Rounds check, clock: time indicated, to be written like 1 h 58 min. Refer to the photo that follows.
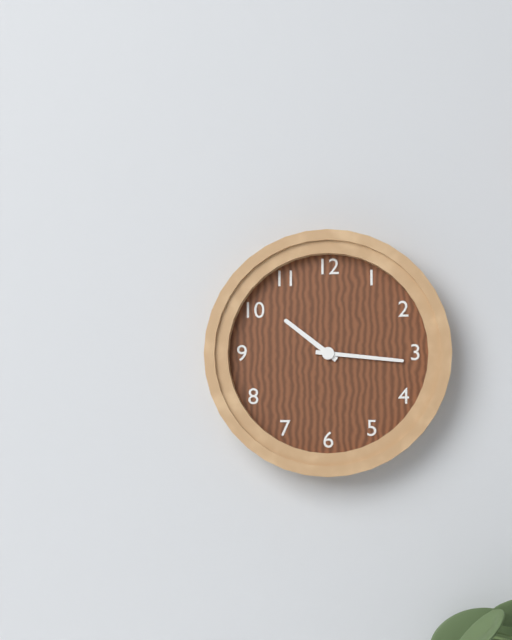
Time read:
10 h 16 min
